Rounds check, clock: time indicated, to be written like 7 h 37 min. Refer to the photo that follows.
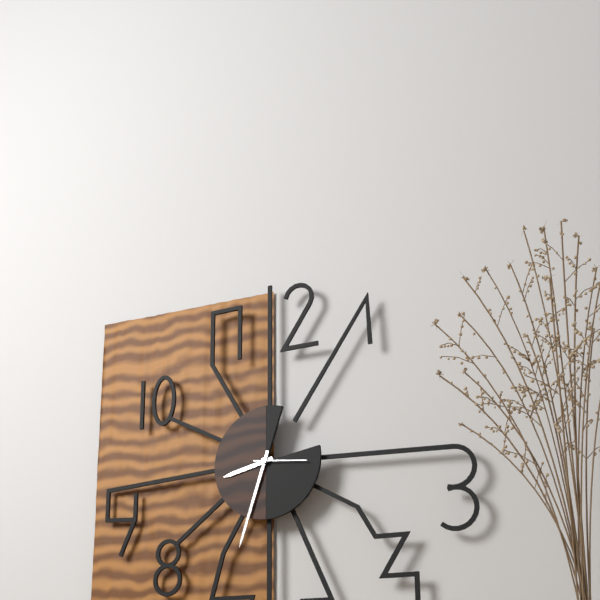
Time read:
8 h 33 min
